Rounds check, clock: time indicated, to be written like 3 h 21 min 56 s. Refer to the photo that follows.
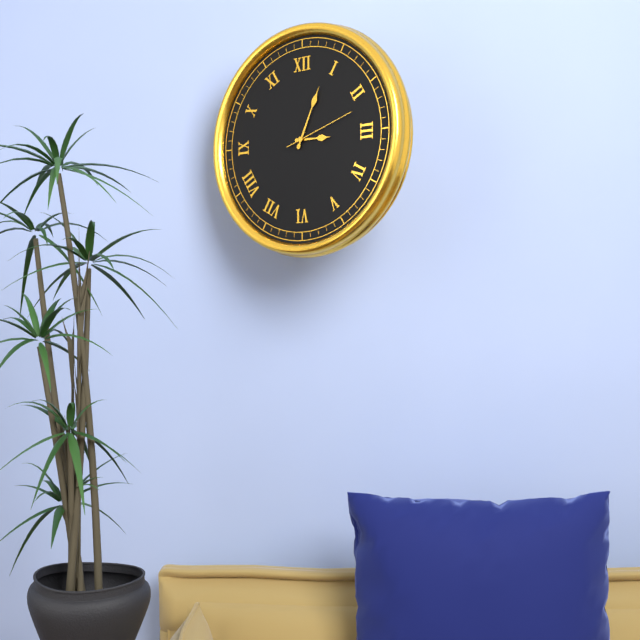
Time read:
3 h 04 min 12 s
